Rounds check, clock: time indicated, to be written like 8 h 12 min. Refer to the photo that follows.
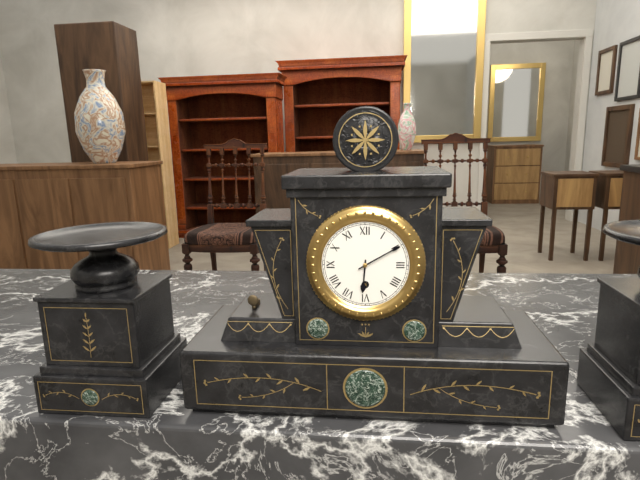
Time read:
6 h 10 min
